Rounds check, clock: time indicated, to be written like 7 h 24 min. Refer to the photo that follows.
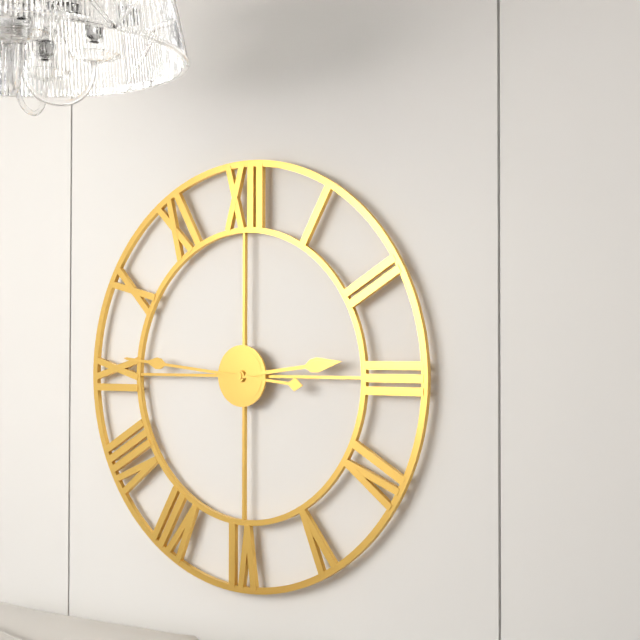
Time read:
2 h 46 min
